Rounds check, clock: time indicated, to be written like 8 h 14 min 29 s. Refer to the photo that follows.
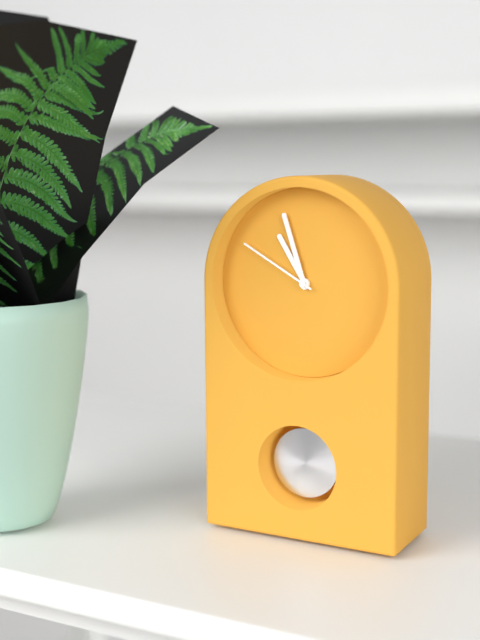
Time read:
10 h 57 min 50 s
